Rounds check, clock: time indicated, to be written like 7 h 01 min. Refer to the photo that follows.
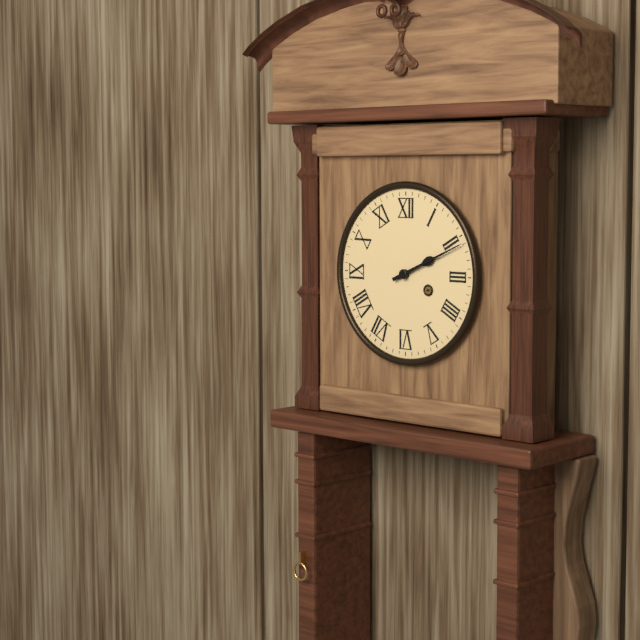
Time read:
2 h 11 min
